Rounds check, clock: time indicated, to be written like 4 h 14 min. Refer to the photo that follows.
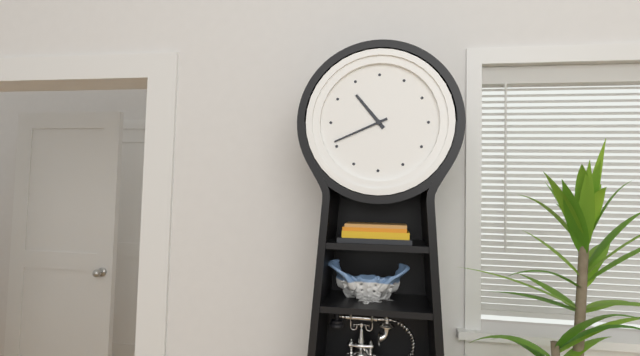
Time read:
10 h 41 min
